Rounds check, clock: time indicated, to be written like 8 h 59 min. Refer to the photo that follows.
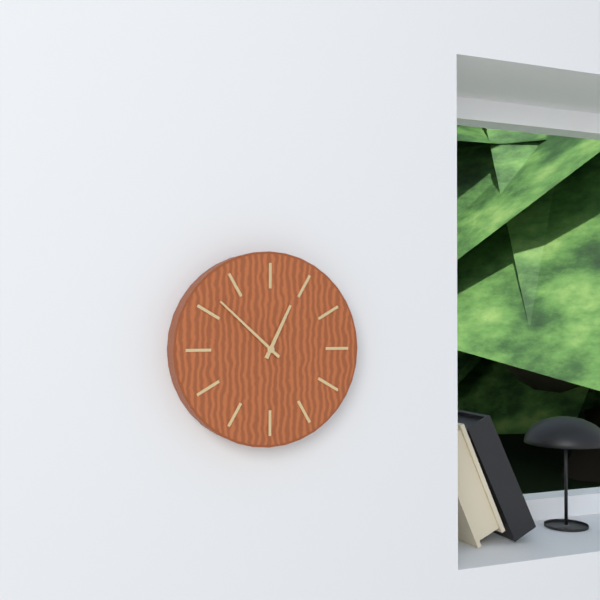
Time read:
12 h 52 min
